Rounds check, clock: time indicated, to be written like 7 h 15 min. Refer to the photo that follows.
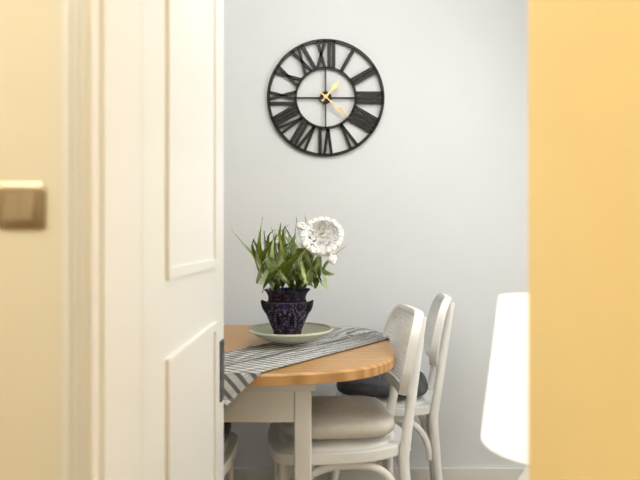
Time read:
1 h 22 min
